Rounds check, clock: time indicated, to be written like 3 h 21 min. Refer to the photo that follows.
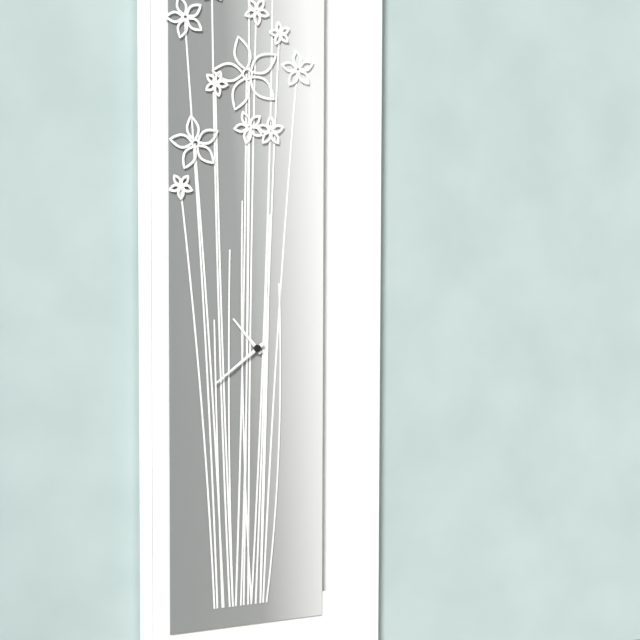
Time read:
10 h 39 min
